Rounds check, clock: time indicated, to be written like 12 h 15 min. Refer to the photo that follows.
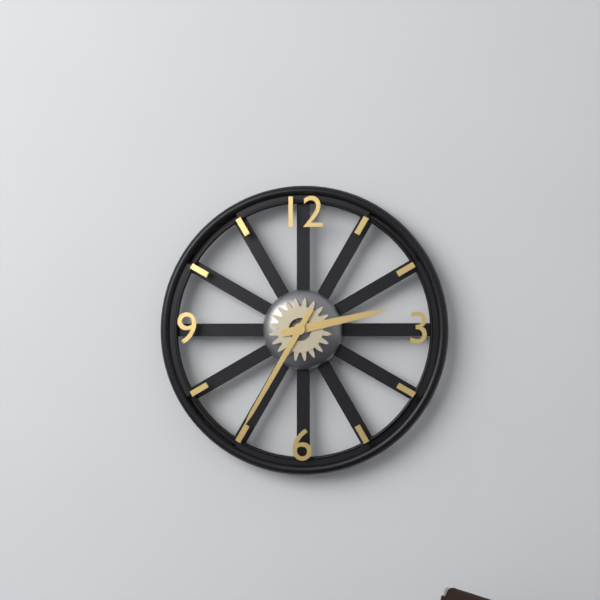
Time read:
2 h 35 min
